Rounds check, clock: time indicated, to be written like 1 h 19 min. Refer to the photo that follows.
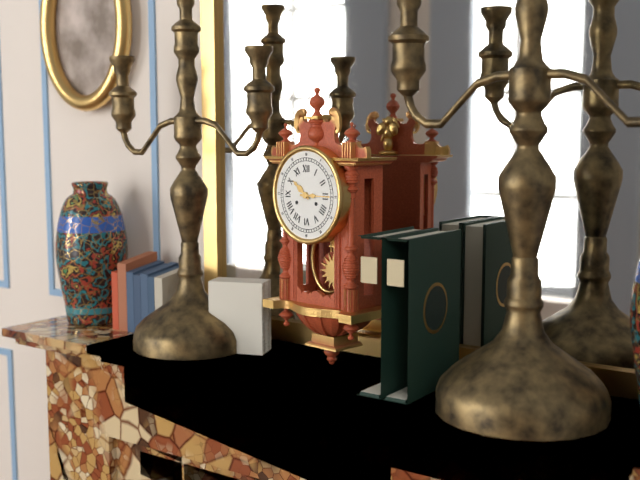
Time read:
10 h 15 min
